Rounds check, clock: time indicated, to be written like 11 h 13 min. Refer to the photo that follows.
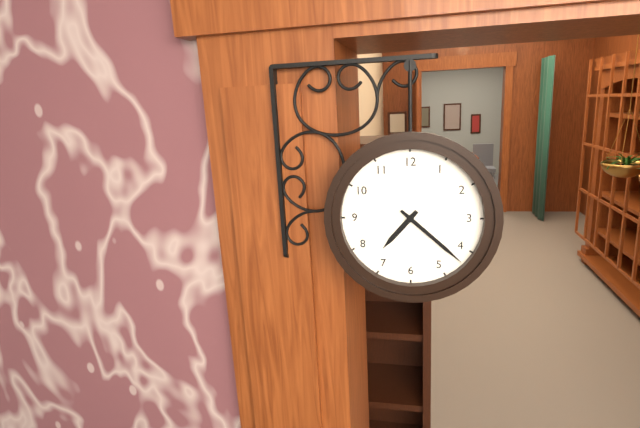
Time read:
7 h 22 min
